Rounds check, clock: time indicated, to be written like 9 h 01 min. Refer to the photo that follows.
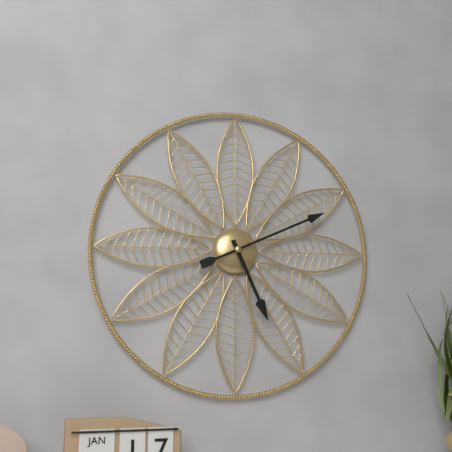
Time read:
5 h 11 min
